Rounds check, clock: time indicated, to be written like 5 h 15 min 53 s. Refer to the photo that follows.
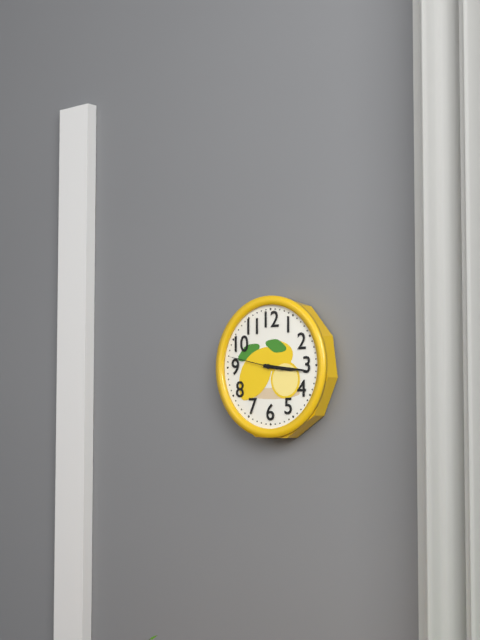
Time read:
3 h 16 min 47 s
